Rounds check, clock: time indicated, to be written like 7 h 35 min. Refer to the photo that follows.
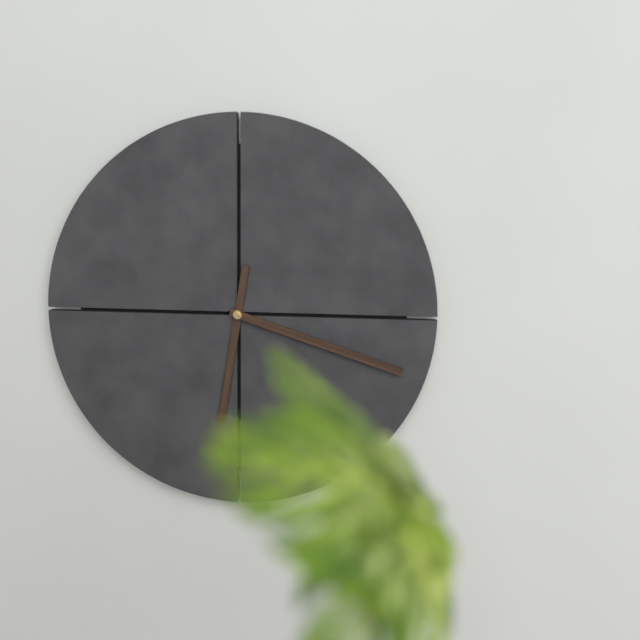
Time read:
6 h 18 min
